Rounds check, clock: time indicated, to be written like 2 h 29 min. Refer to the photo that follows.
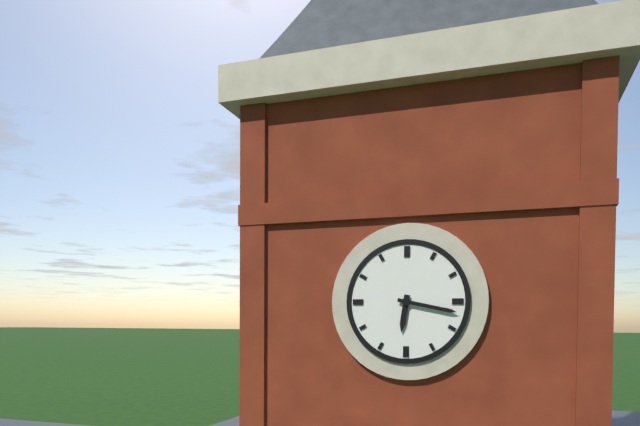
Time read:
6 h 17 min
